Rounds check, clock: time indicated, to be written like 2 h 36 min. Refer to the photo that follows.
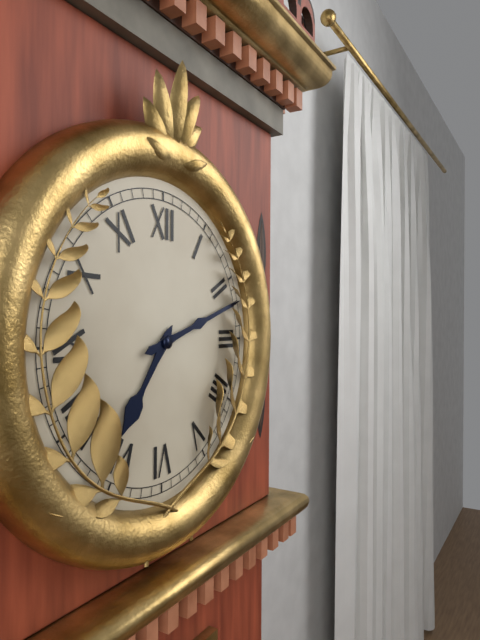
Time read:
7 h 12 min
